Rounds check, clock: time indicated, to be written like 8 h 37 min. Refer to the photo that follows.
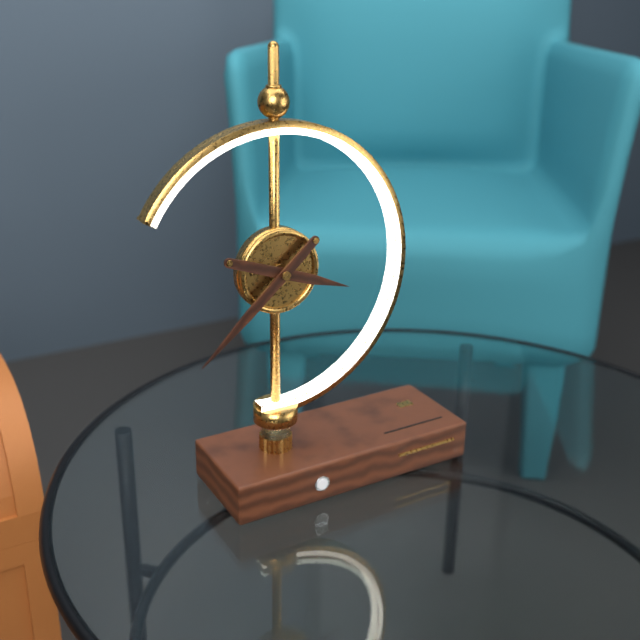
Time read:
3 h 38 min
